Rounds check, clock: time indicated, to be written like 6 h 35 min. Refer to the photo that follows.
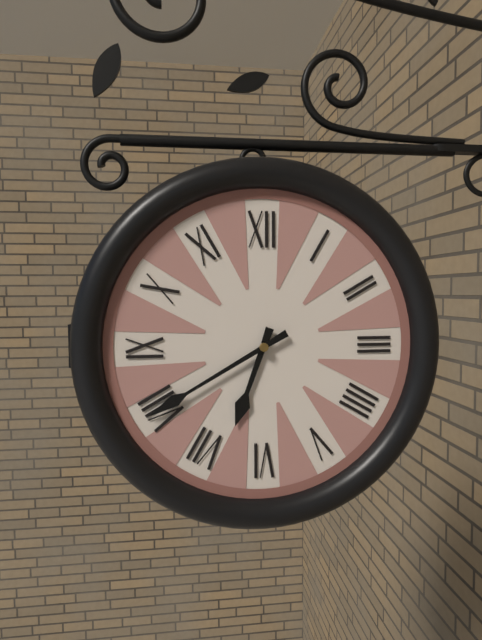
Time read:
6 h 40 min
